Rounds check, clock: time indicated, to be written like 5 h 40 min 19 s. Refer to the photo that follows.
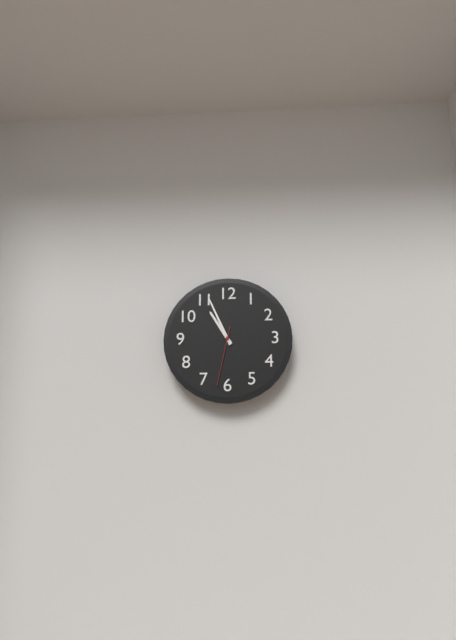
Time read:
10 h 56 min 32 s
